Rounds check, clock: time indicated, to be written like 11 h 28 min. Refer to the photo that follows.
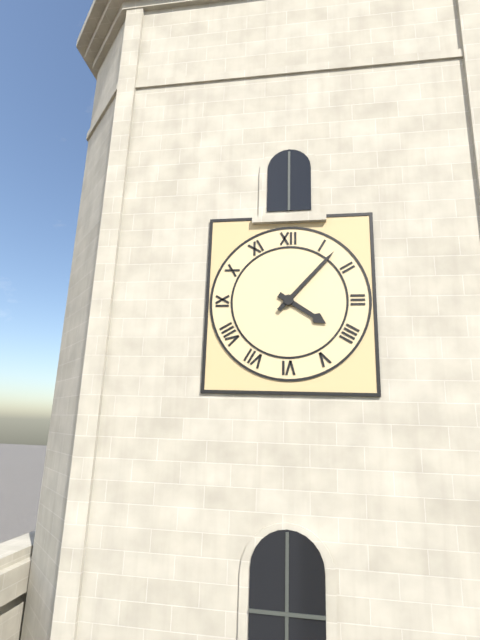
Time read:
4 h 07 min
